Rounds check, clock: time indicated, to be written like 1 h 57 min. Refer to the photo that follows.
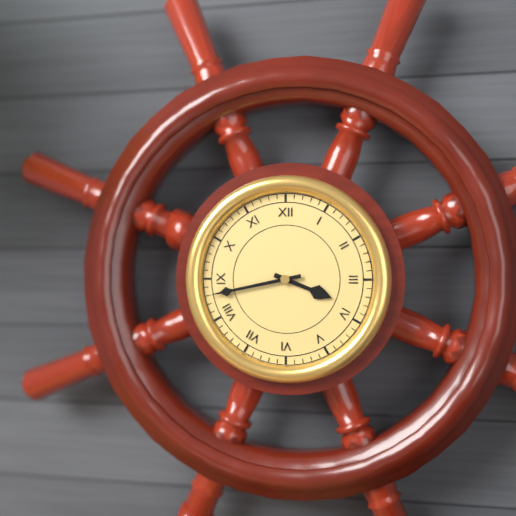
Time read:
3 h 43 min
